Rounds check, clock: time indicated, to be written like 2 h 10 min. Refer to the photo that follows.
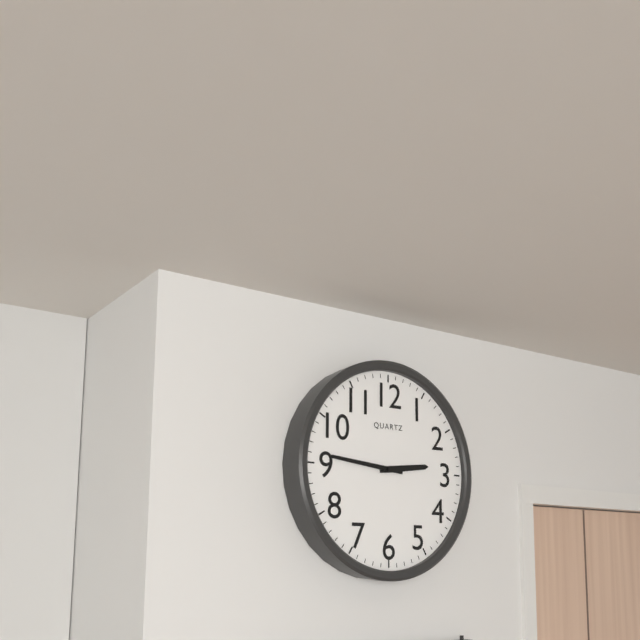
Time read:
2 h 46 min
